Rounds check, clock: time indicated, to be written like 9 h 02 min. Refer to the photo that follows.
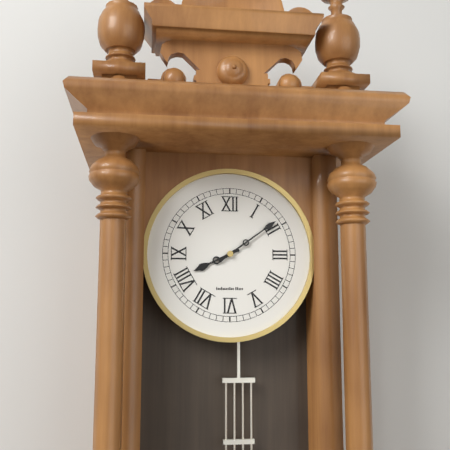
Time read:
8 h 09 min
